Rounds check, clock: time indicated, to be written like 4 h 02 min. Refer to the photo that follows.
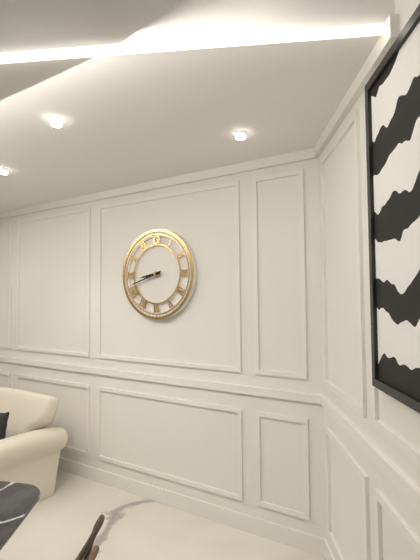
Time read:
8 h 42 min
